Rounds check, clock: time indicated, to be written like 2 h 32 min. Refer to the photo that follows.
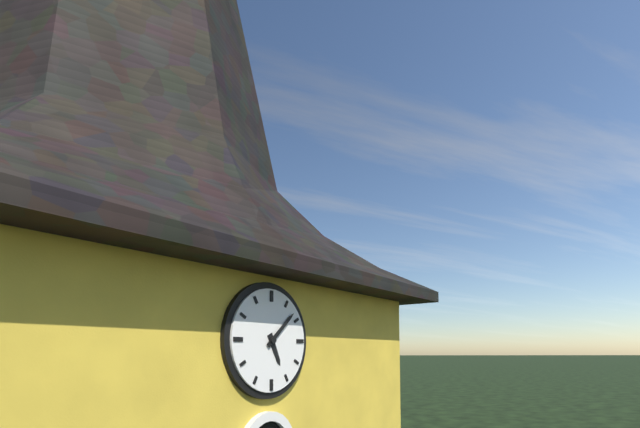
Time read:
5 h 08 min
